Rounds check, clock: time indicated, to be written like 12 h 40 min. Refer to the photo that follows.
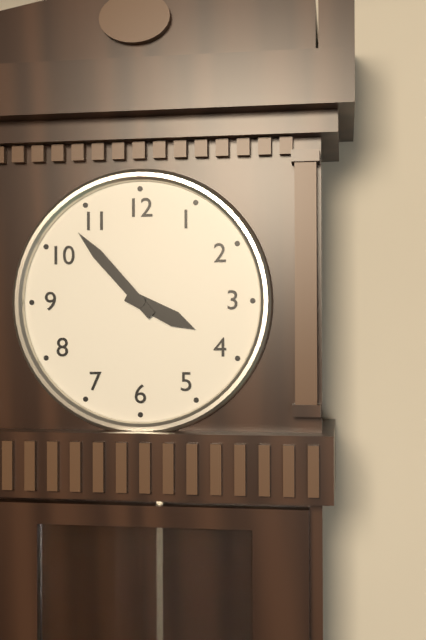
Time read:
3 h 53 min
